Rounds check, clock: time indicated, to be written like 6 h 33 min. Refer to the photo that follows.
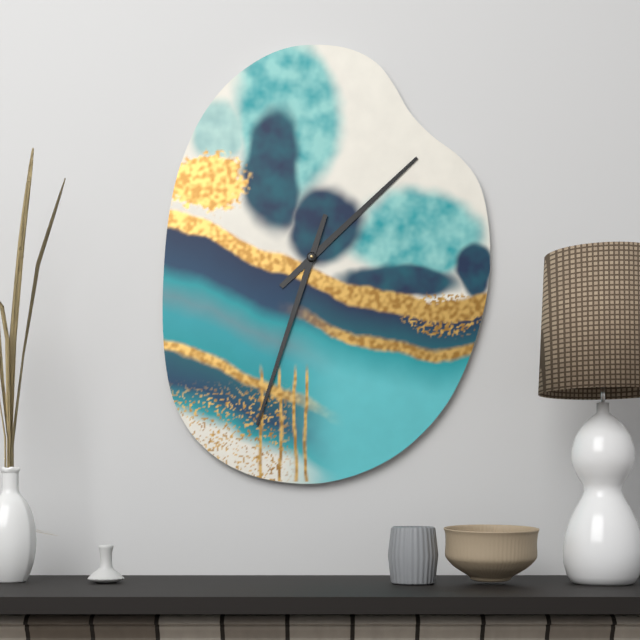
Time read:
1 h 33 min
